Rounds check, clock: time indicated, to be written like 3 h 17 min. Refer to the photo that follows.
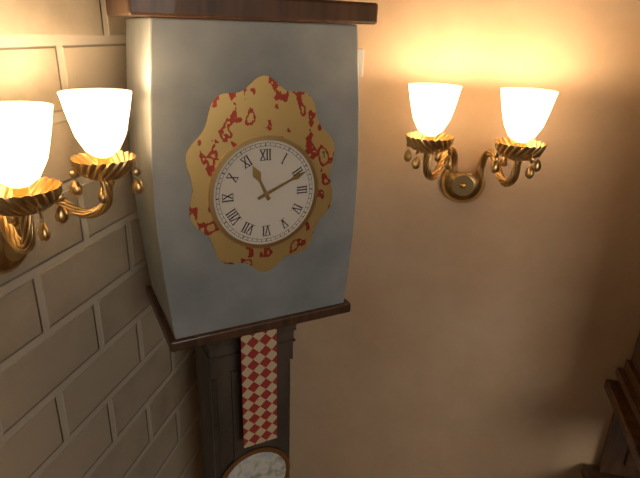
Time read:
11 h 11 min
